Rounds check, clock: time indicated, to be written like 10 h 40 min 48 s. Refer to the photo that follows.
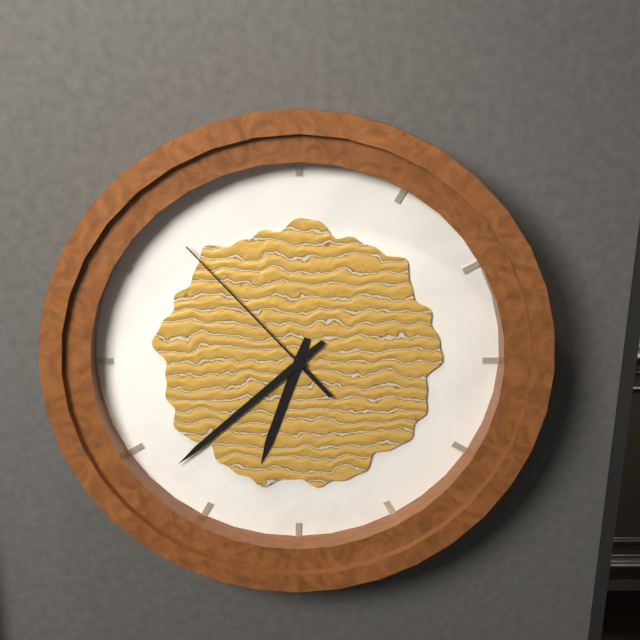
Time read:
6 h 38 min 53 s
